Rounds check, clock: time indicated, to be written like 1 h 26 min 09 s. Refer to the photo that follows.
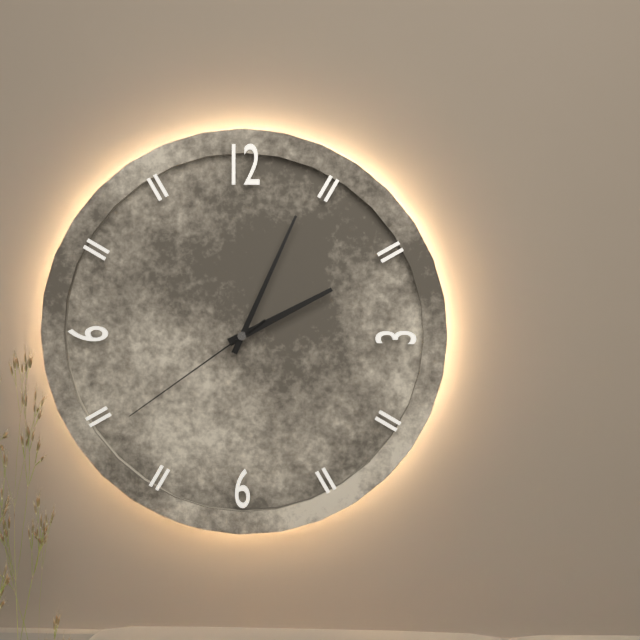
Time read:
2 h 04 min 39 s
